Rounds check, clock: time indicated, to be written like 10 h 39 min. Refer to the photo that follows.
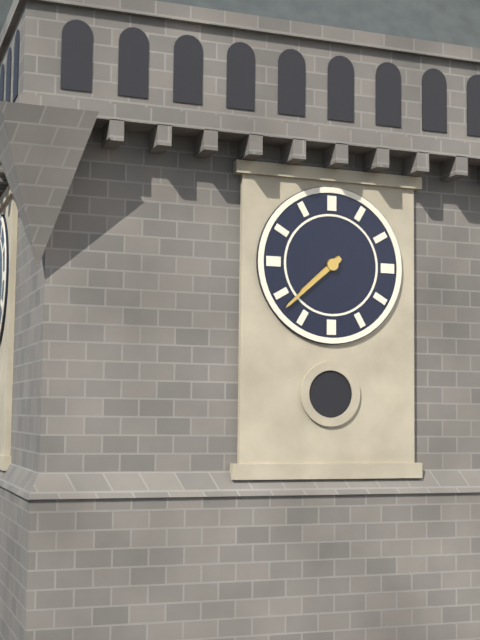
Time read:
7 h 38 min
